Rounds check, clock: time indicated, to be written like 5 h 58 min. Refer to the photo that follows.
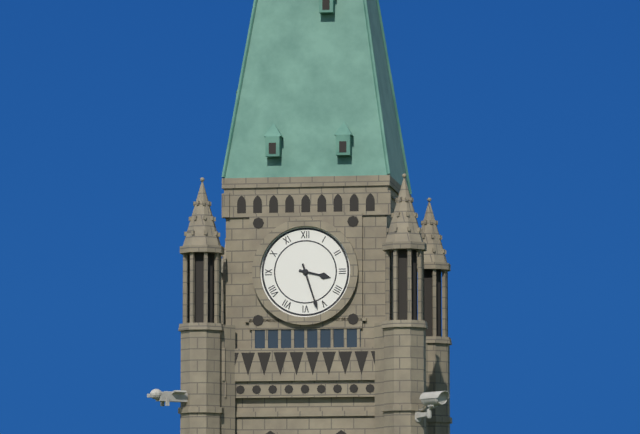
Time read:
3 h 27 min
